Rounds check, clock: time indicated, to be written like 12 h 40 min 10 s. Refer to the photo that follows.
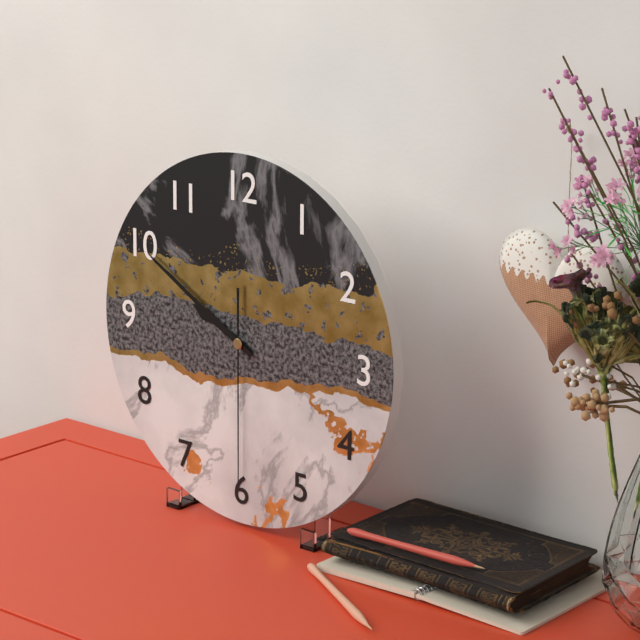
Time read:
9 h 50 min 30 s
